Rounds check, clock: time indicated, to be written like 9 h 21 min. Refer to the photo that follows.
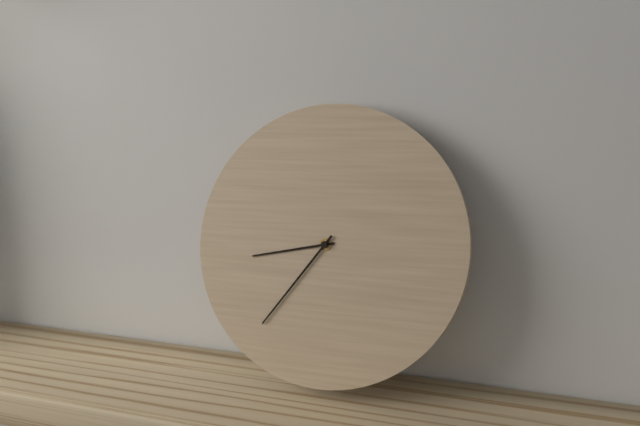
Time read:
8 h 36 min
